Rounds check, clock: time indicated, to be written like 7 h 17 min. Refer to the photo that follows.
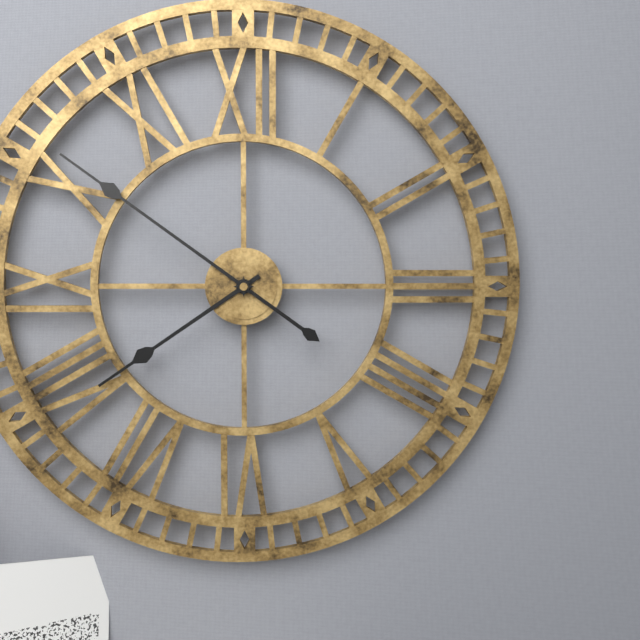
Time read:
7 h 51 min
